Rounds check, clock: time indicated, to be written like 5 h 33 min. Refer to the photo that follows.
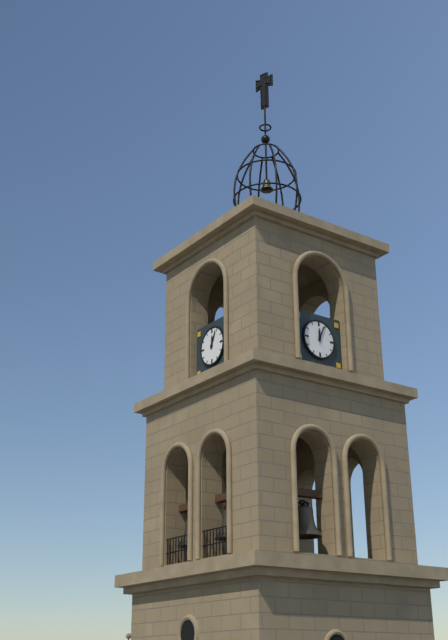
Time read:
12 h 04 min
